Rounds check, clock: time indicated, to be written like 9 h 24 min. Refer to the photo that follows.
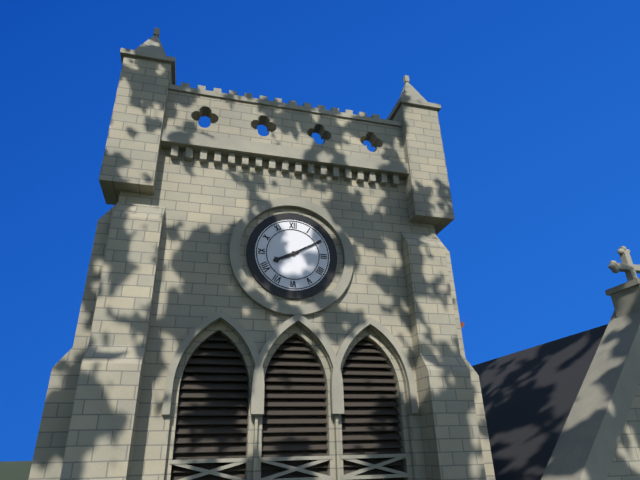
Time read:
8 h 10 min
